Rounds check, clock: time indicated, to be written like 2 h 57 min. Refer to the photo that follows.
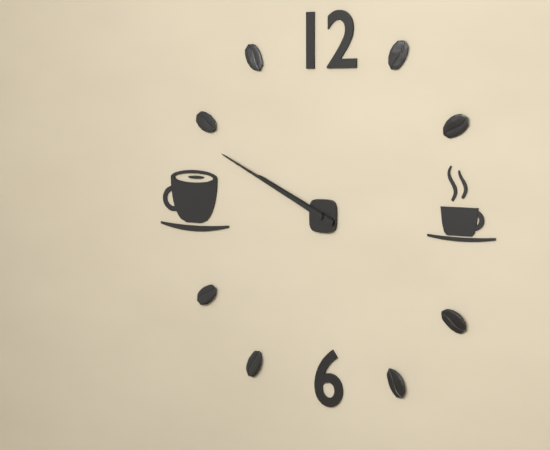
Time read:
9 h 49 min
